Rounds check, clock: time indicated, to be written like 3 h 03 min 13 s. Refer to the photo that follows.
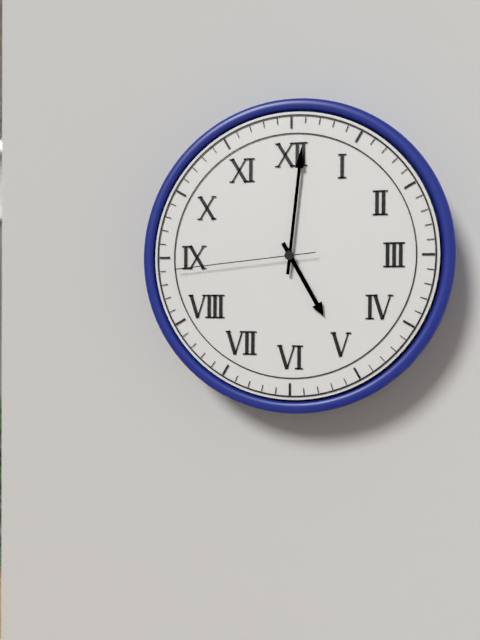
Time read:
5 h 01 min 44 s
